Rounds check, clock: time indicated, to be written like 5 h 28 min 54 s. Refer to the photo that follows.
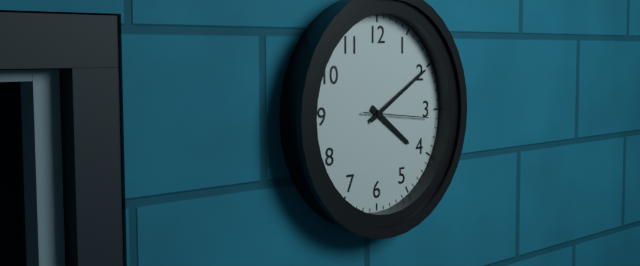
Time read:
4 h 10 min 16 s
